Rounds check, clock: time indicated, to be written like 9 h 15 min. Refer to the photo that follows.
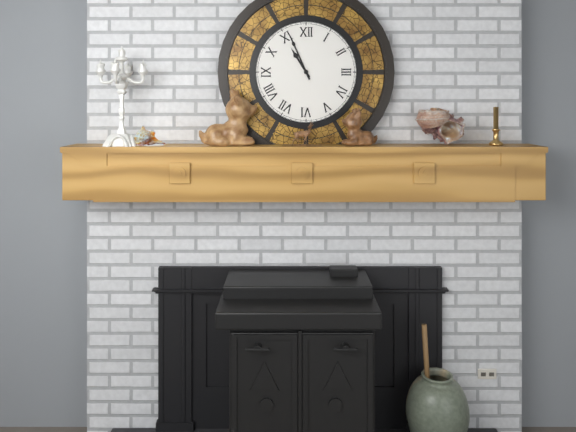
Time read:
10 h 56 min
